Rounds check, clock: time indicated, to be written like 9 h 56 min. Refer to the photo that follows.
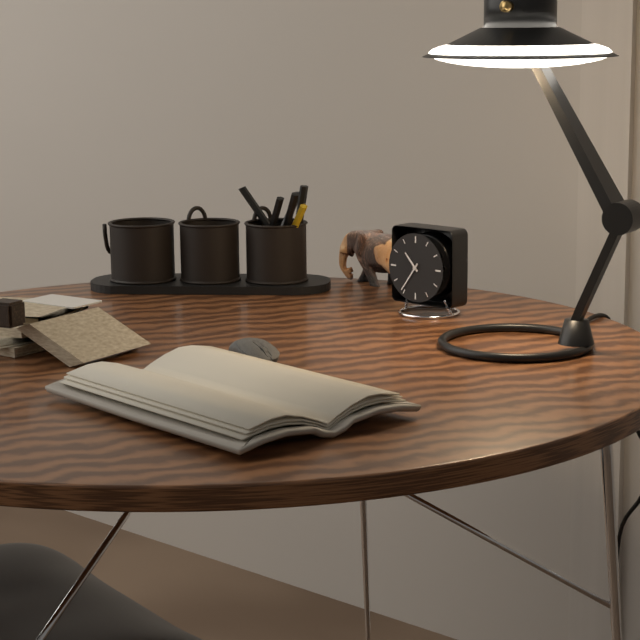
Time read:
10 h 36 min
